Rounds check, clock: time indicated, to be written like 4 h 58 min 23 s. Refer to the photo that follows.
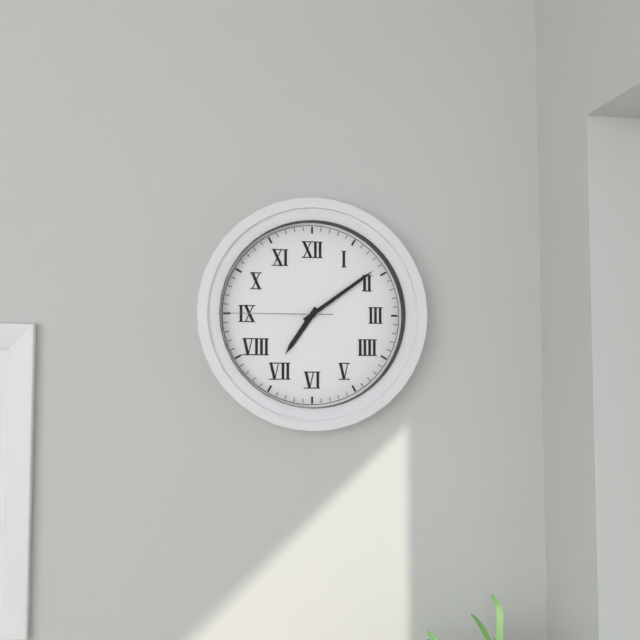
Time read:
7 h 09 min 45 s
